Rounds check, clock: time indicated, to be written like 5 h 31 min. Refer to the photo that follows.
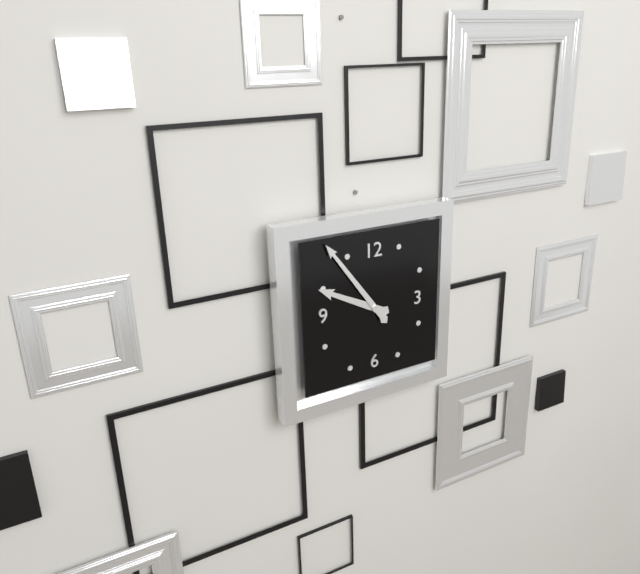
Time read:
9 h 54 min
